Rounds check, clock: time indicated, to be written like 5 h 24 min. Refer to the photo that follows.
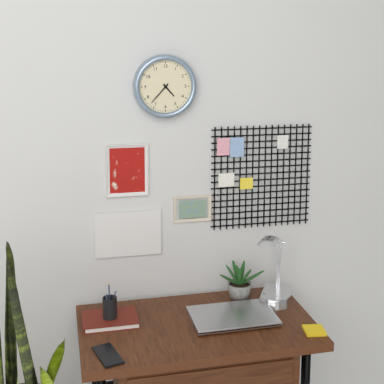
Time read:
4 h 37 min
